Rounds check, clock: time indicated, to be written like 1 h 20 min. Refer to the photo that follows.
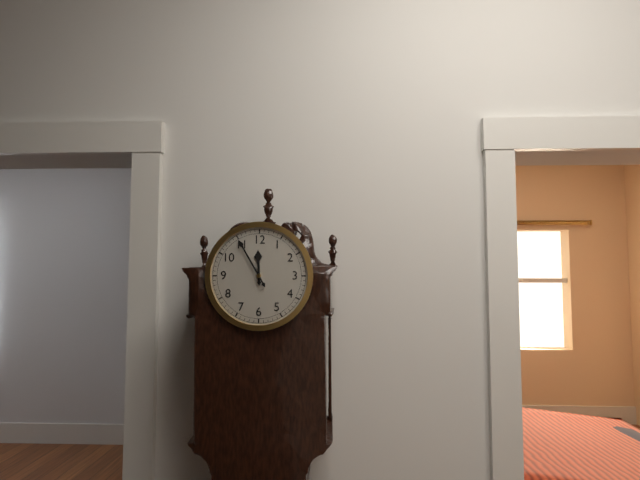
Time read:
11 h 55 min
